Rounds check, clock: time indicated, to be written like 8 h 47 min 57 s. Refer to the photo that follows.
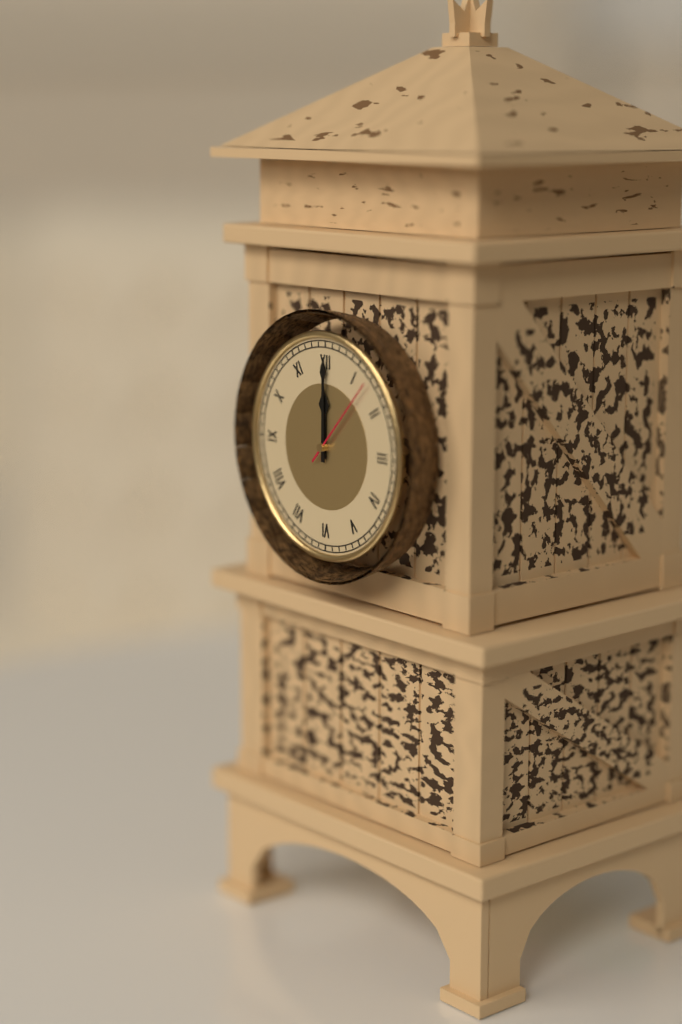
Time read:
12 h 00 min 07 s
